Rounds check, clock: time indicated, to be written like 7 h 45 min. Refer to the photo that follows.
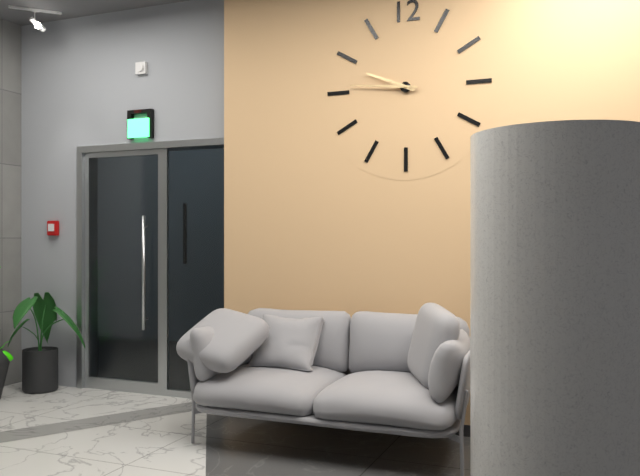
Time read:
9 h 46 min
